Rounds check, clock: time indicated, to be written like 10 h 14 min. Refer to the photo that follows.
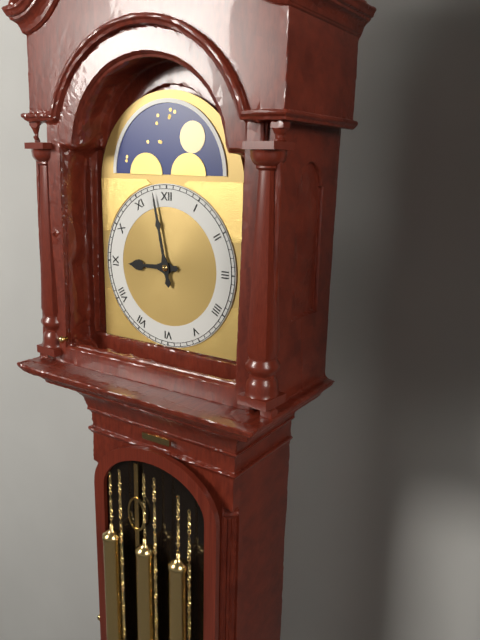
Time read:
8 h 58 min
